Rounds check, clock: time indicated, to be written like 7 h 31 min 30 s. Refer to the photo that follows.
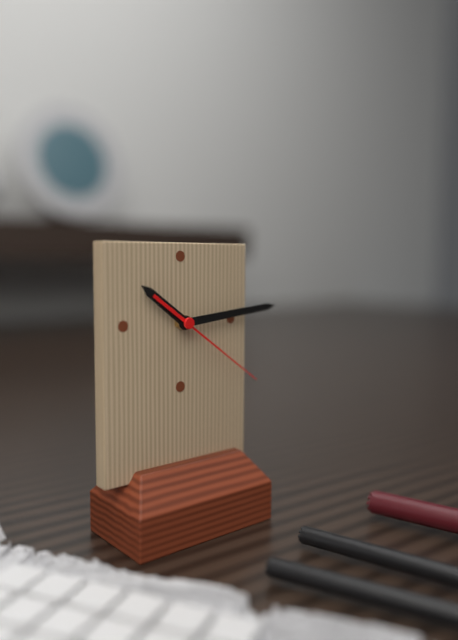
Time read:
10 h 14 min 21 s
